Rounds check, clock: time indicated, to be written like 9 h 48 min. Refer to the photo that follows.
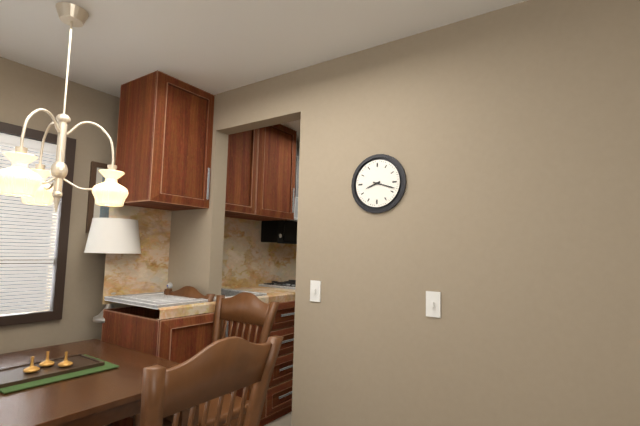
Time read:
8 h 18 min
